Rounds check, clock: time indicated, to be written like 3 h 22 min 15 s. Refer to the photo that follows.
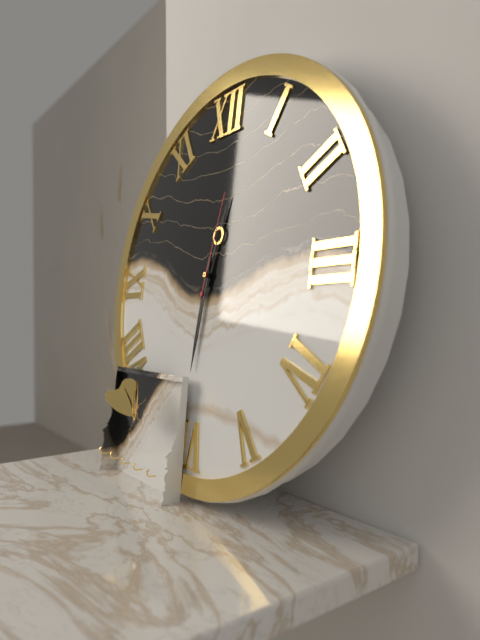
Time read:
12 h 31 min 02 s
